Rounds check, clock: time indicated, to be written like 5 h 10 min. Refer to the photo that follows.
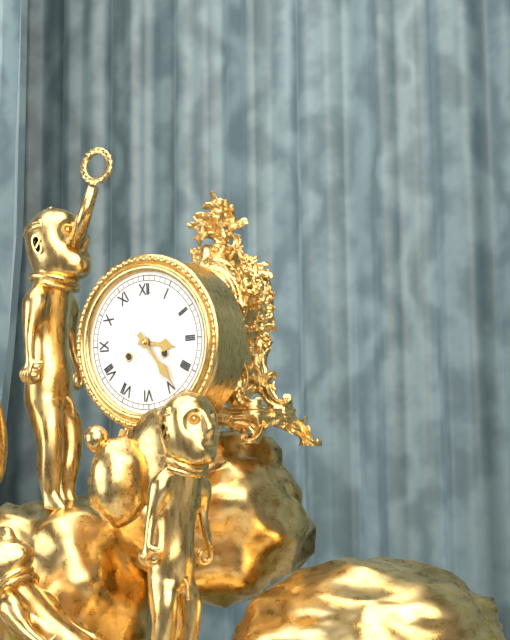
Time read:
3 h 24 min
